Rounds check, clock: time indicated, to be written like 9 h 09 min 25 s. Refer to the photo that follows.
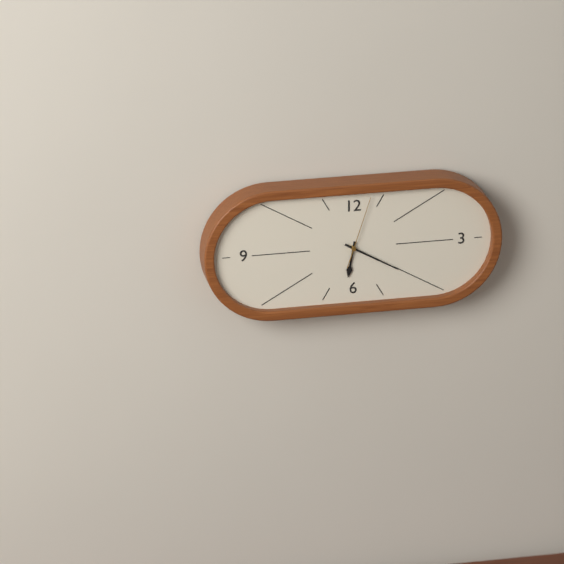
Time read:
6 h 20 min 03 s
